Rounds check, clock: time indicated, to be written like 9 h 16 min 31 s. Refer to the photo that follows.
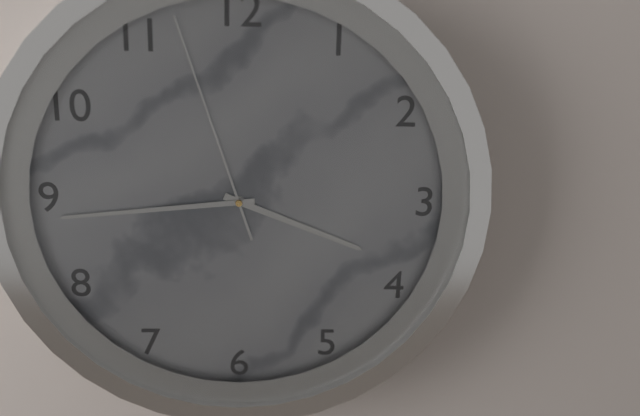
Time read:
3 h 44 min 57 s
